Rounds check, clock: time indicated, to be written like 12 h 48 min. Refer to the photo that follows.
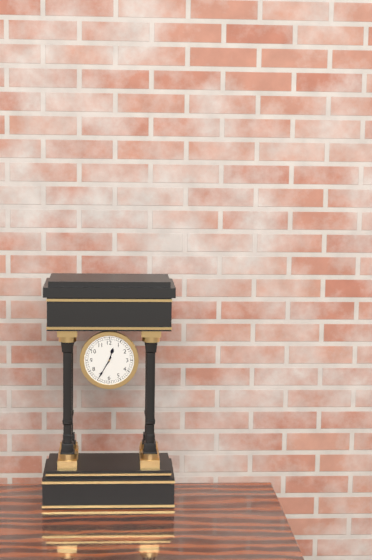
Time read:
12 h 35 min
